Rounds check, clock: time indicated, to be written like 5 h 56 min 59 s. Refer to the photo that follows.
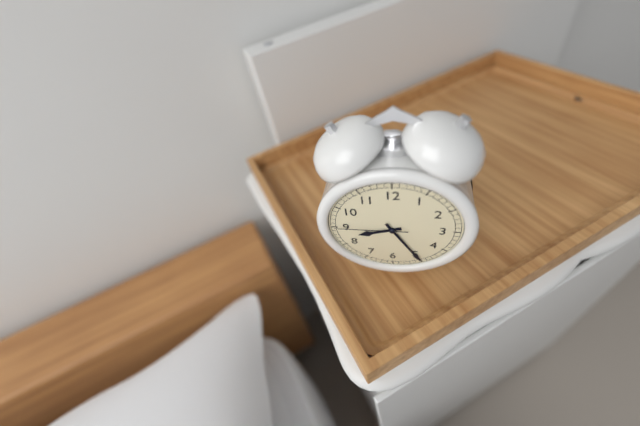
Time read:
8 h 25 min 45 s
